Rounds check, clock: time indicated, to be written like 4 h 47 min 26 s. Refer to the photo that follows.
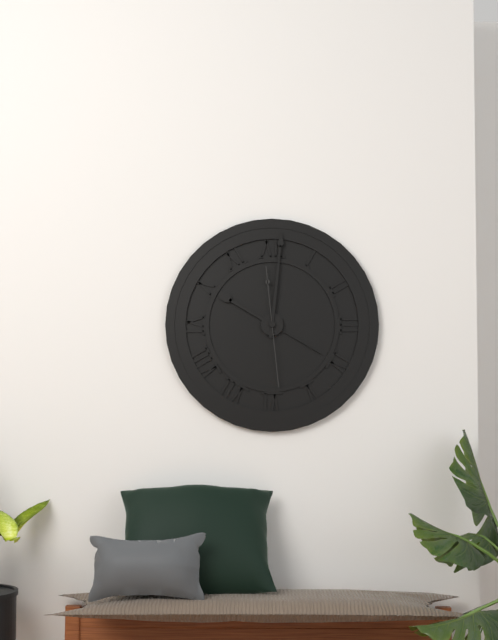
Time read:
10 h 01 min 29 s
